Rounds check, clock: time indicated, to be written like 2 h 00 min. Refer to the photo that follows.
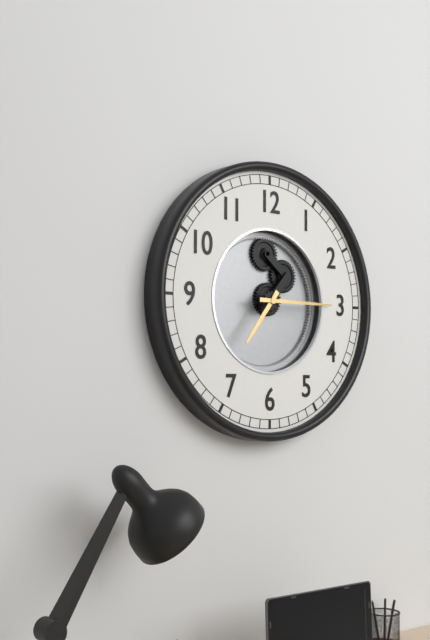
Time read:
7 h 15 min
